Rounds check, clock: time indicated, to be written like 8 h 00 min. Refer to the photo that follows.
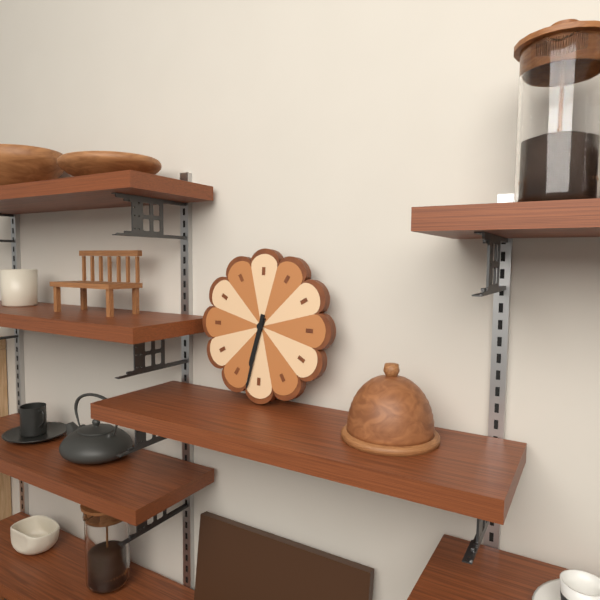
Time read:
6 h 32 min
